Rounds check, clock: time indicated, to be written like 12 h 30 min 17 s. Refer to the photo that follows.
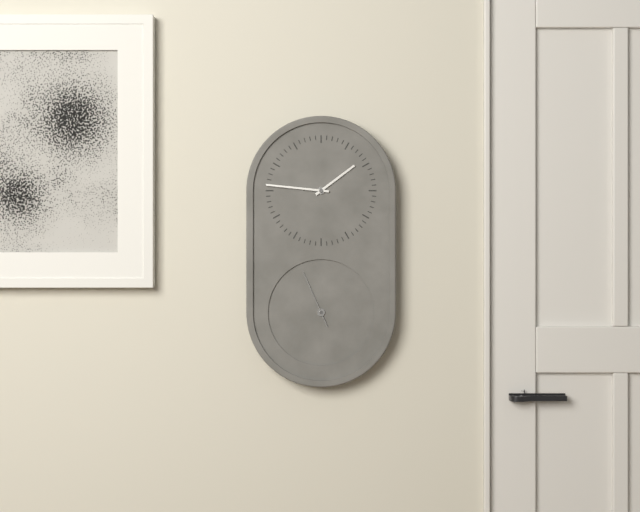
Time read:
1 h 46 min 56 s
